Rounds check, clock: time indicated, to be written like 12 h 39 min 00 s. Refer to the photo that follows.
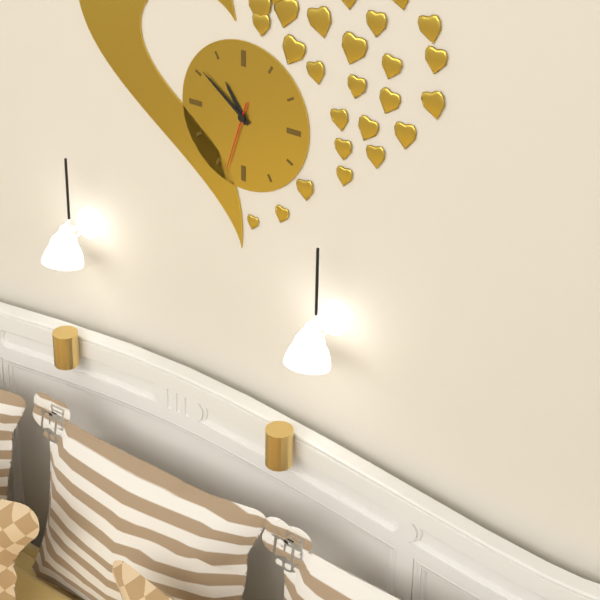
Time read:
10 h 51 min 33 s
